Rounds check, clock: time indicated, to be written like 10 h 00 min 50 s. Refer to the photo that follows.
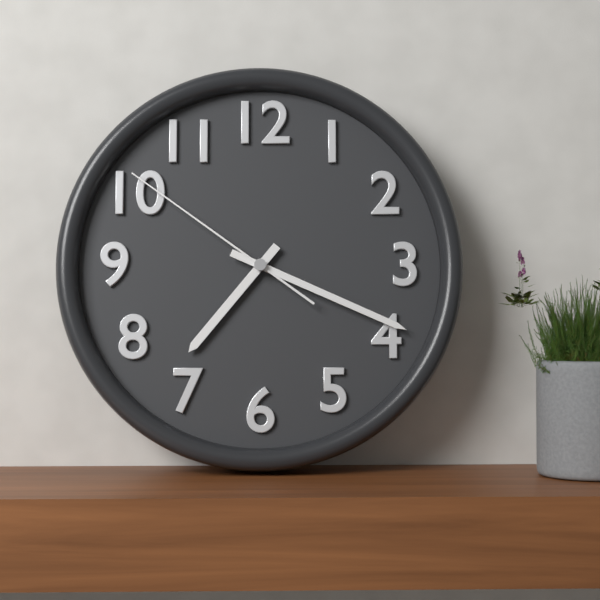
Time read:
7 h 19 min 51 s
